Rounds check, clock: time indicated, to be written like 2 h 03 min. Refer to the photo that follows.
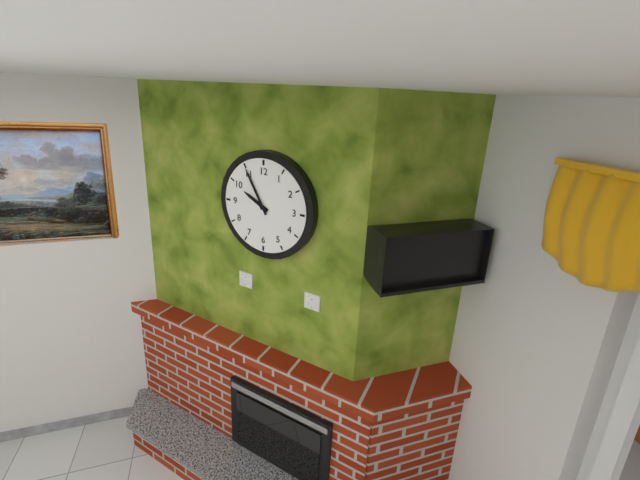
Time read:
9 h 55 min
